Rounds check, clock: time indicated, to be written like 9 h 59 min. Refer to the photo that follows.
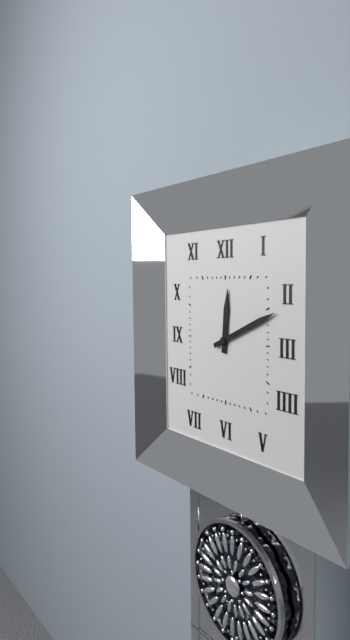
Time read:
12 h 11 min
